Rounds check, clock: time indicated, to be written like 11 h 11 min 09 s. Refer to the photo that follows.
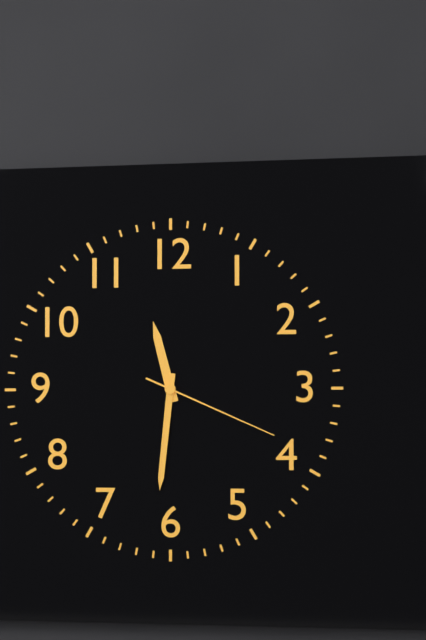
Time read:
11 h 31 min 19 s
